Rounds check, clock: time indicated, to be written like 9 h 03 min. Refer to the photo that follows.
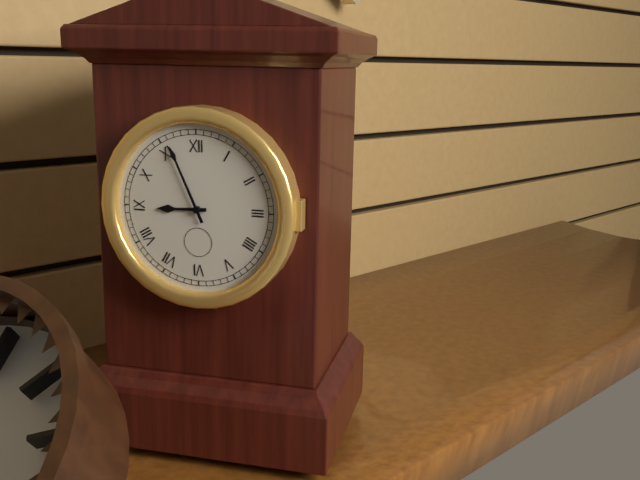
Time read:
8 h 56 min
